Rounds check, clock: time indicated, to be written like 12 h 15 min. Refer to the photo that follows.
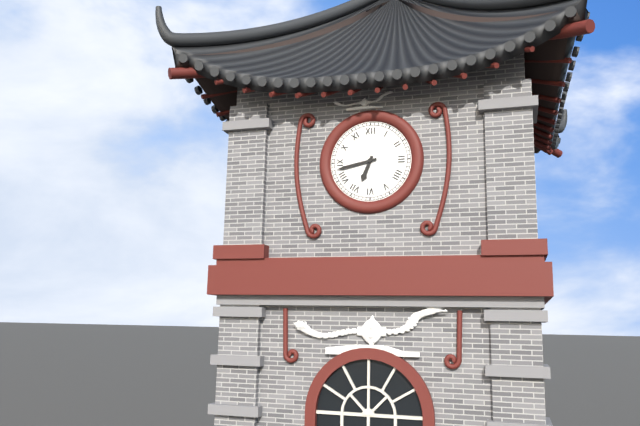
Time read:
6 h 43 min
